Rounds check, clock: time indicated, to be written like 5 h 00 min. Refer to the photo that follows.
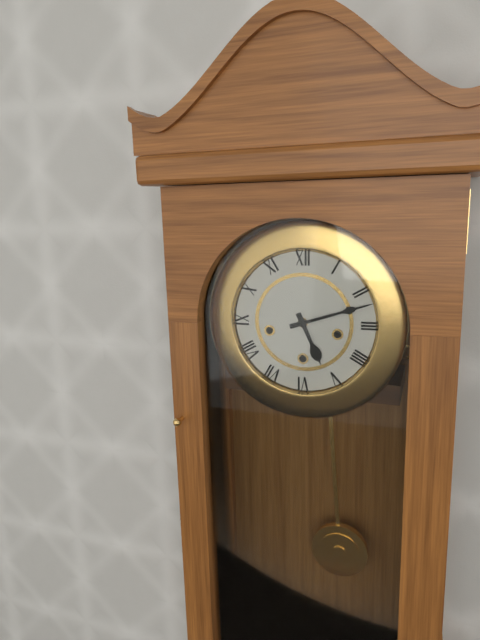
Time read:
5 h 12 min
